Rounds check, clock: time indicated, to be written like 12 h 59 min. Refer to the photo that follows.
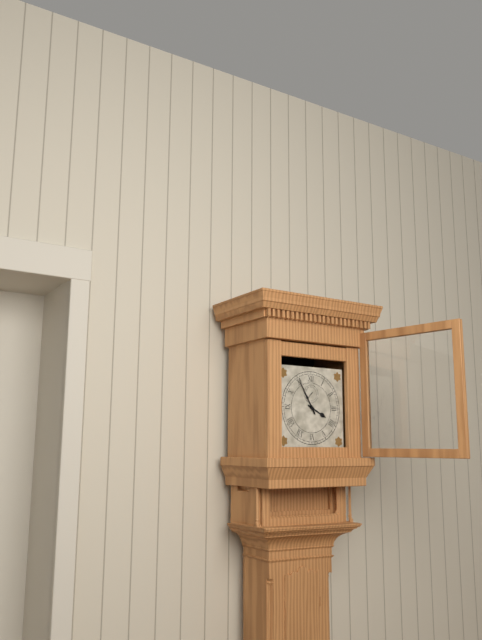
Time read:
3 h 55 min
